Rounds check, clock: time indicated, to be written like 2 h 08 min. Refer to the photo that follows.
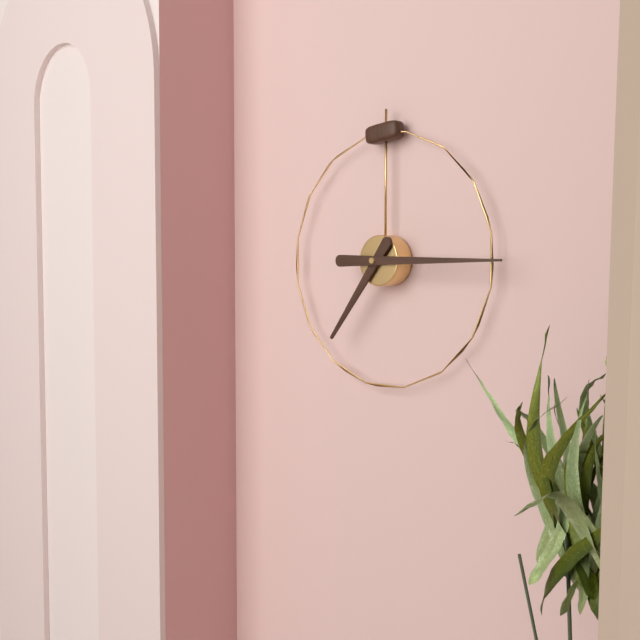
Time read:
7 h 15 min
